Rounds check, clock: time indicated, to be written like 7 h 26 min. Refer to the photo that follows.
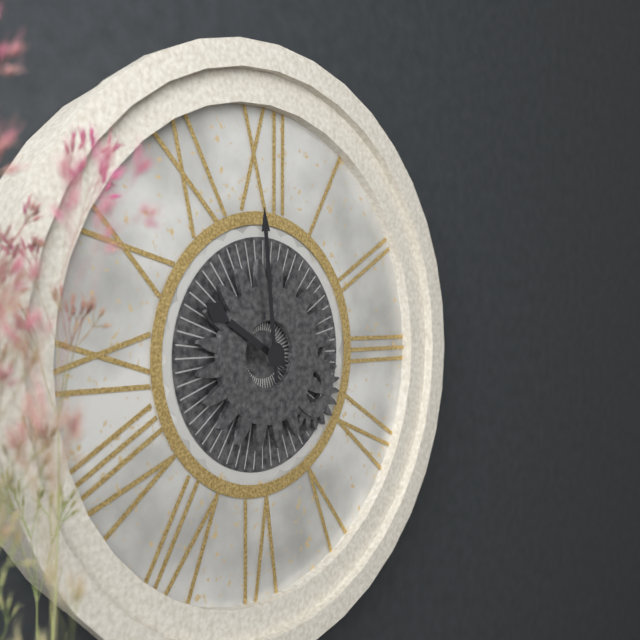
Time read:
9 h 59 min
